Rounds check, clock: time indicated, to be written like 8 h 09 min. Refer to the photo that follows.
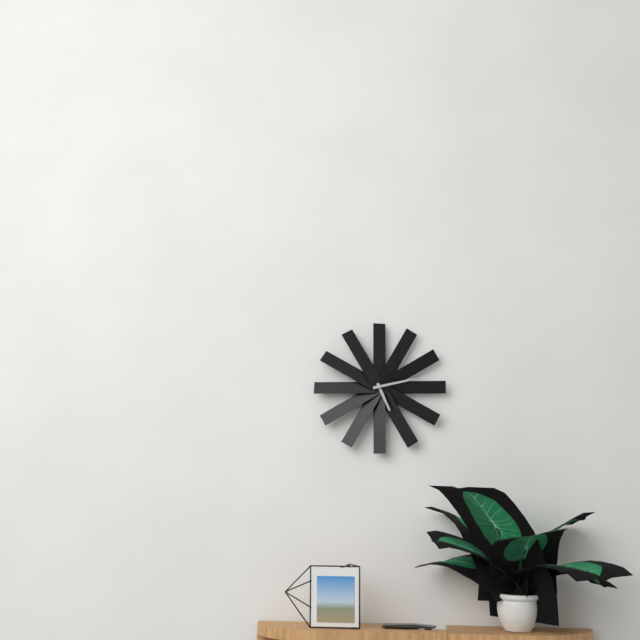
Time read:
5 h 13 min
